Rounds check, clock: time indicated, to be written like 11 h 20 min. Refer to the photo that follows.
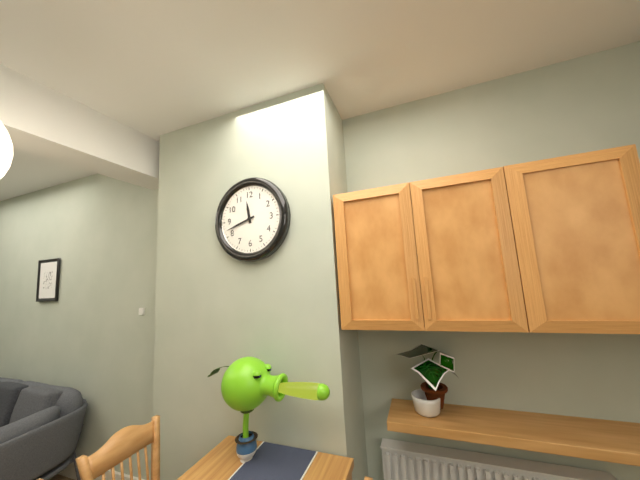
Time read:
11 h 42 min
